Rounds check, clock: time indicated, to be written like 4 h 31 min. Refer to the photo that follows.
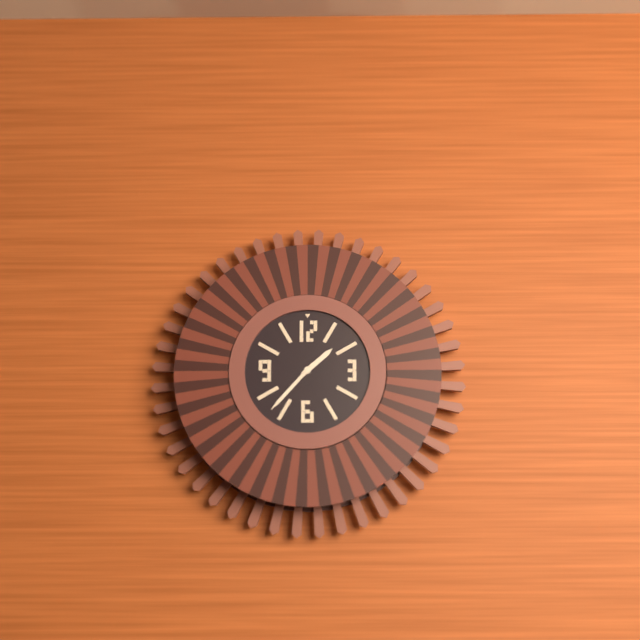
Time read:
1 h 37 min
